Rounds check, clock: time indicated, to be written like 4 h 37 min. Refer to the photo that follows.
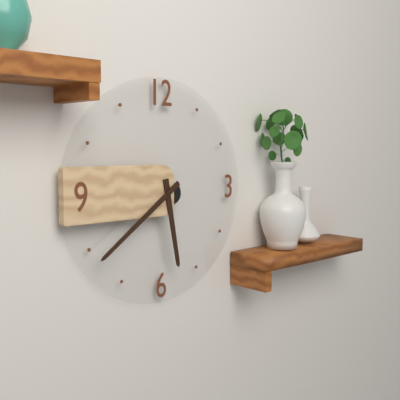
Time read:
5 h 39 min
